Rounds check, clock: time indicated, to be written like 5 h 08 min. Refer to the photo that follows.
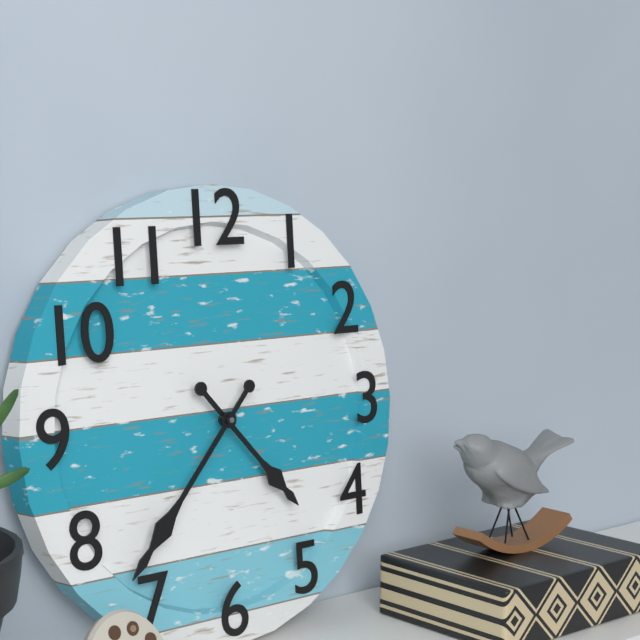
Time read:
4 h 37 min
